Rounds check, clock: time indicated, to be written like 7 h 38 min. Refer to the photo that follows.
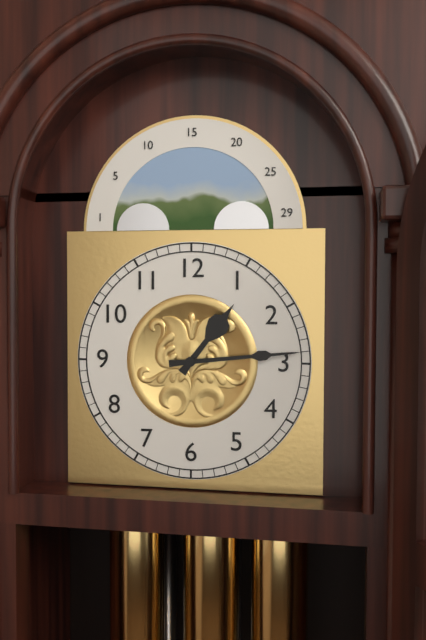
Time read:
1 h 14 min
